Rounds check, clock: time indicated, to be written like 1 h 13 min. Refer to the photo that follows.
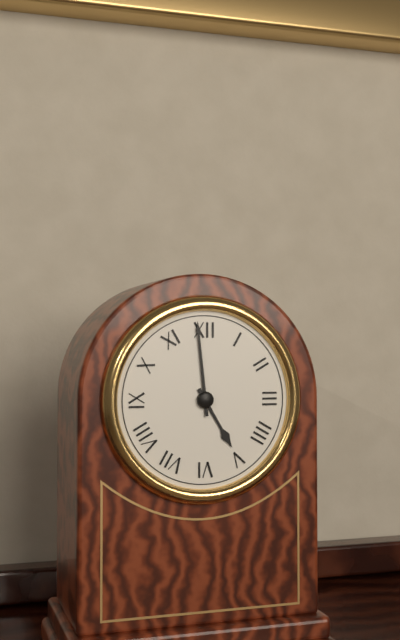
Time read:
4 h 59 min
